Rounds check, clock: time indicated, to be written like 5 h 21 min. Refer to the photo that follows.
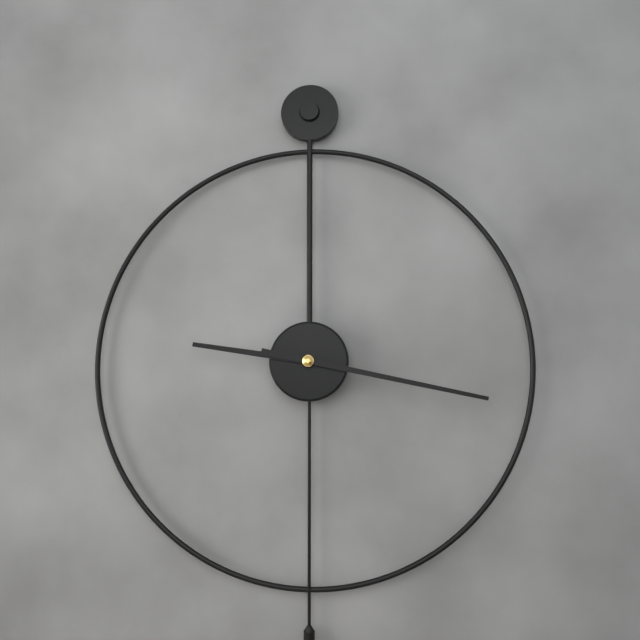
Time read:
9 h 17 min
